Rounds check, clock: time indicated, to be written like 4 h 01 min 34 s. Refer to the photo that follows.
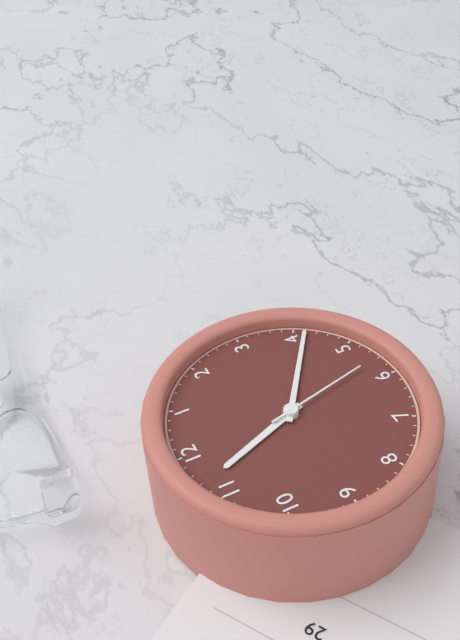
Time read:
11 h 21 min 28 s
